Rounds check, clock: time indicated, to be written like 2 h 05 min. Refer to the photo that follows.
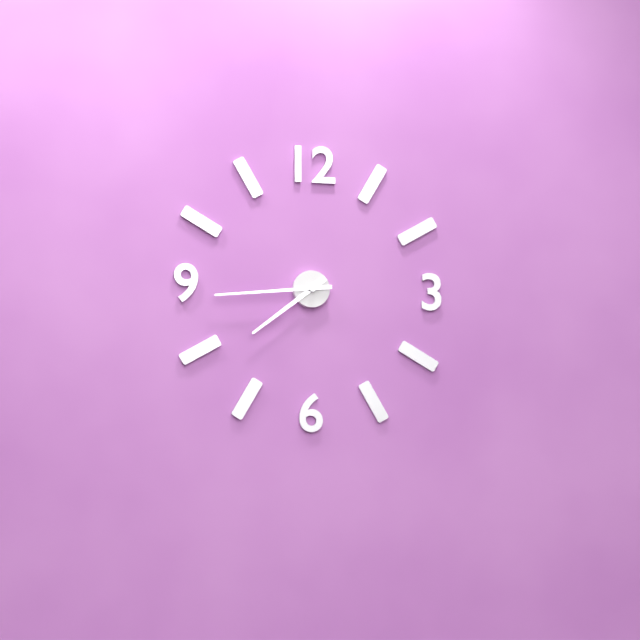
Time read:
7 h 44 min
